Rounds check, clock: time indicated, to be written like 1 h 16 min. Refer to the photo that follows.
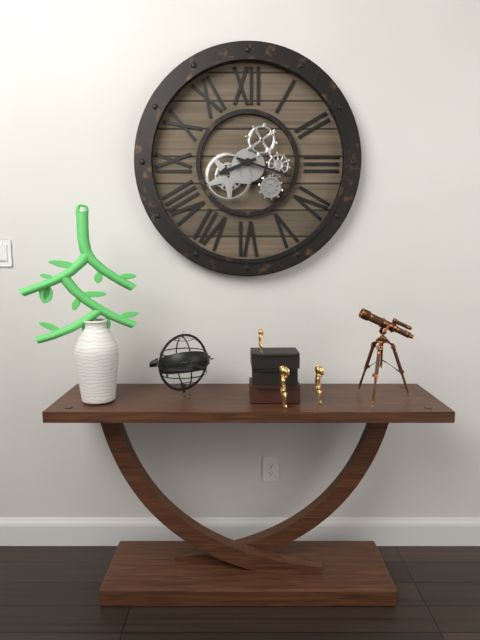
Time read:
8 h 18 min
